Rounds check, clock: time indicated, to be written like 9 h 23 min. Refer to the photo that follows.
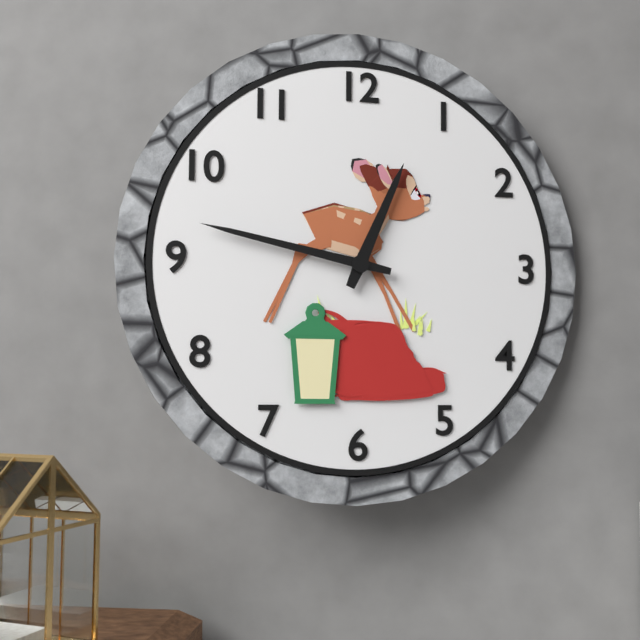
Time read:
12 h 47 min
